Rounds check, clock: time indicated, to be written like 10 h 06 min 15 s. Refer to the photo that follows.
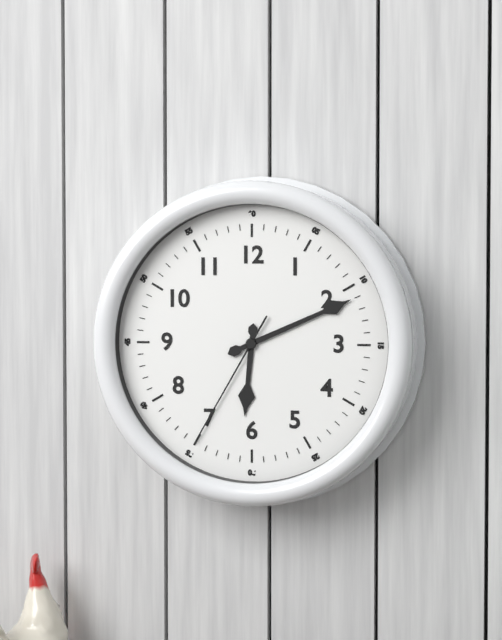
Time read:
6 h 11 min 35 s
